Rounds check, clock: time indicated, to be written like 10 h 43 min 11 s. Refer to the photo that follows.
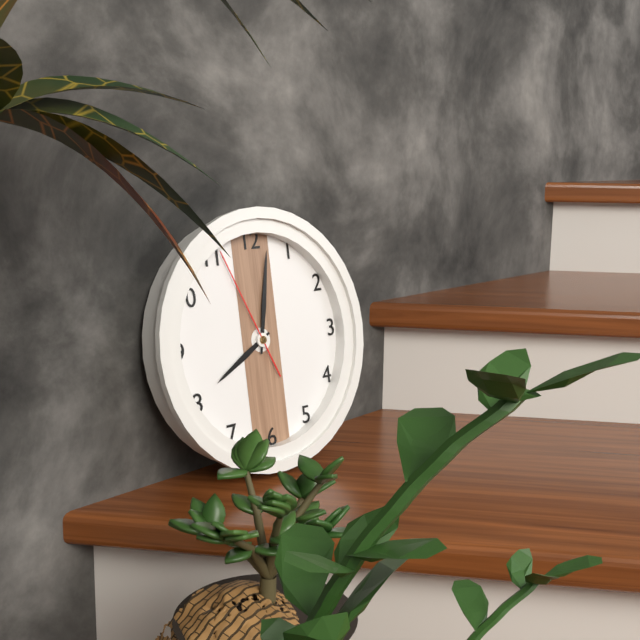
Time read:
8 h 02 min 56 s
